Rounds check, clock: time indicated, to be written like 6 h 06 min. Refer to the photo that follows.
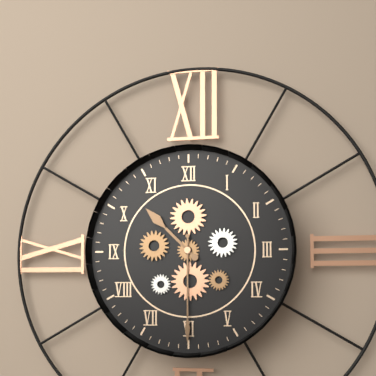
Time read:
10 h 30 min
